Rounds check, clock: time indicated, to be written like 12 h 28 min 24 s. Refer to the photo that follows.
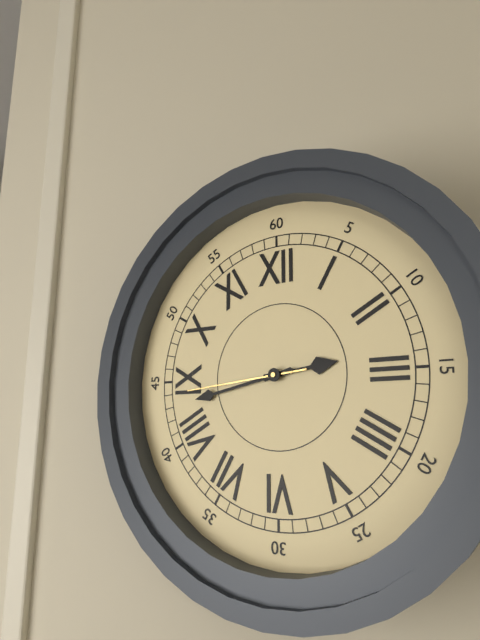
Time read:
2 h 43 min 44 s
